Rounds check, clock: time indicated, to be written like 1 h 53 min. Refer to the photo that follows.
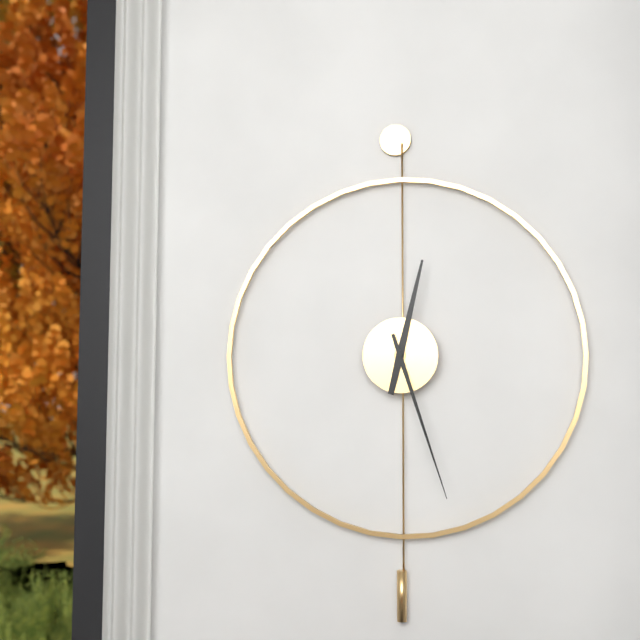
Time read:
12 h 27 min
